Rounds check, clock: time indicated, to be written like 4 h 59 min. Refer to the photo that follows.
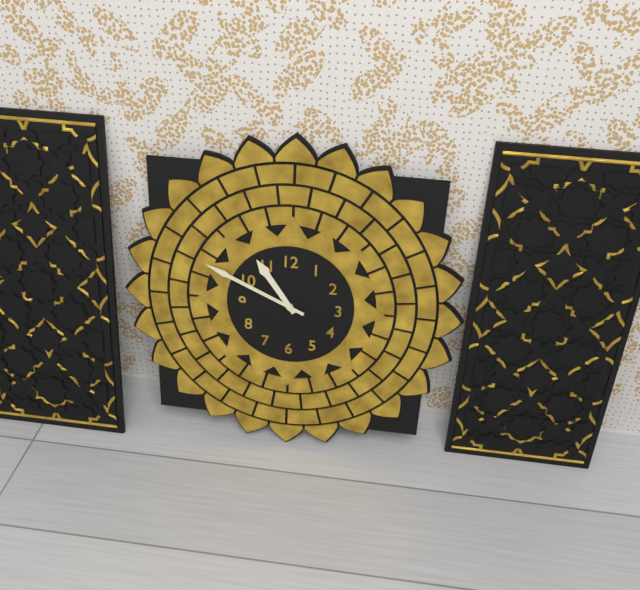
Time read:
10 h 49 min
